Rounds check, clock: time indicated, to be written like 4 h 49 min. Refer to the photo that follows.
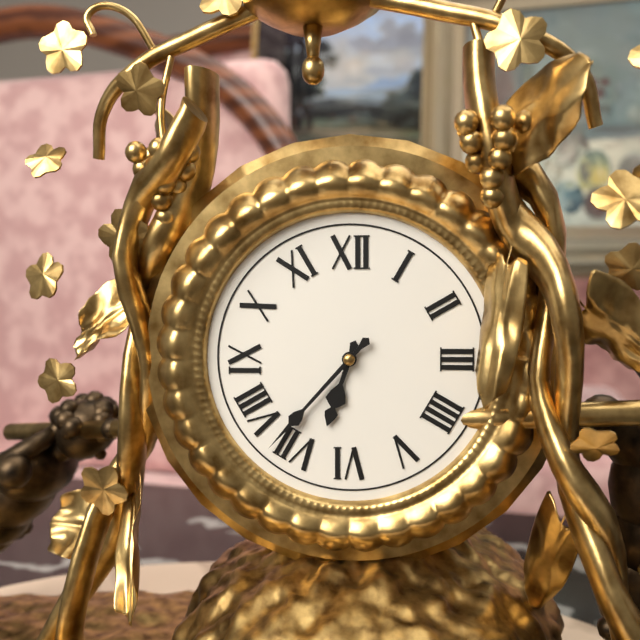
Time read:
6 h 37 min
